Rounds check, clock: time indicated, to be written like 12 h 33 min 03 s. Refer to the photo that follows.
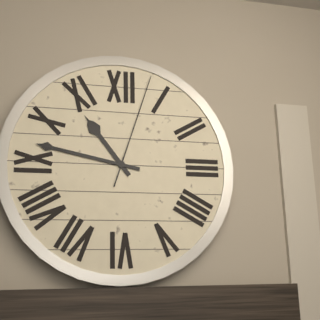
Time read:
10 h 47 min 03 s
